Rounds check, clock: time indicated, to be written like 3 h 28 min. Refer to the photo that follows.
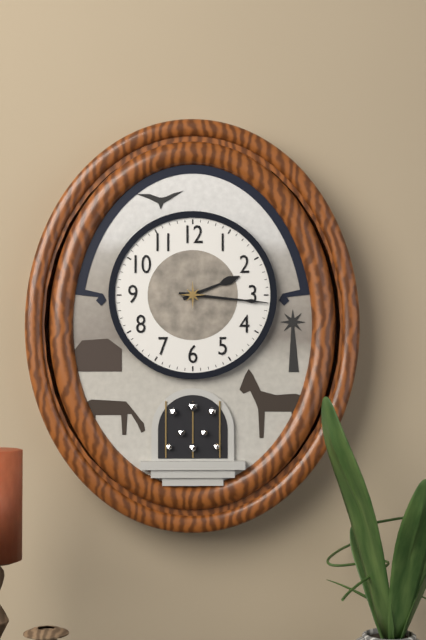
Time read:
2 h 16 min
